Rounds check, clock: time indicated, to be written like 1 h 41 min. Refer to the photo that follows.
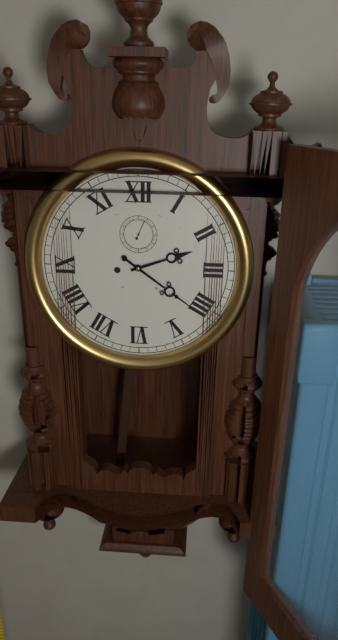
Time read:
2 h 21 min
